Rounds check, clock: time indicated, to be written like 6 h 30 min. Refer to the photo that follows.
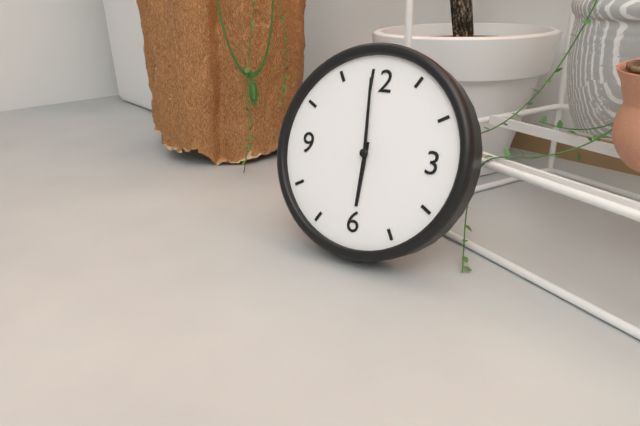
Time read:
5 h 59 min
